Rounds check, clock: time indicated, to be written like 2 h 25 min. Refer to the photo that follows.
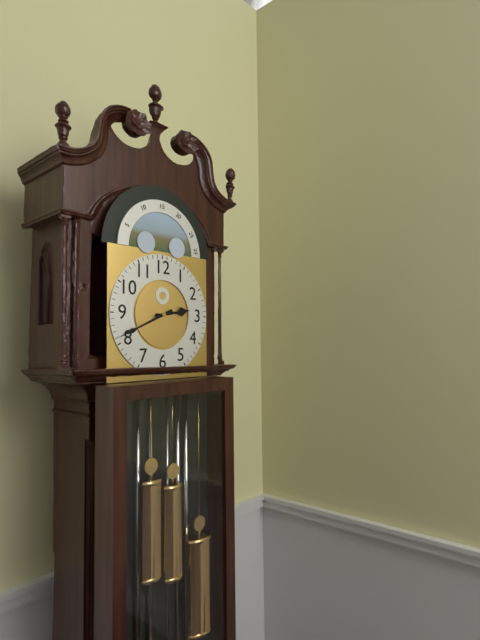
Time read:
2 h 41 min
